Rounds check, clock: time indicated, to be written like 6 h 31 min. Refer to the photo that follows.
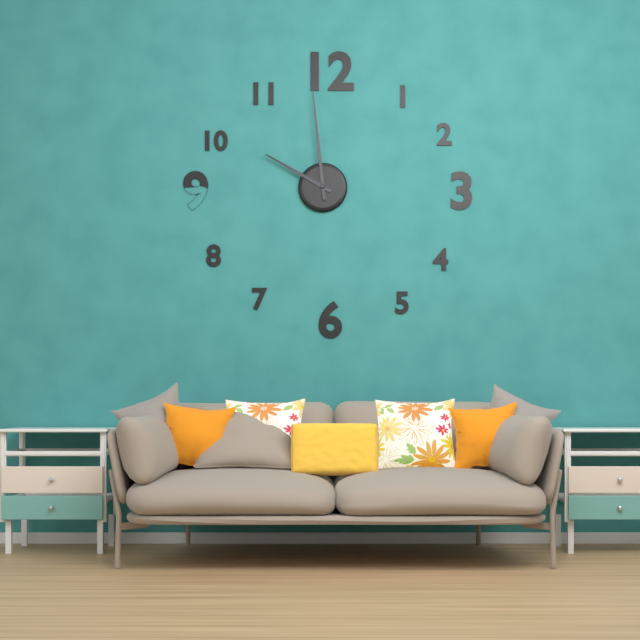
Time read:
9 h 59 min
